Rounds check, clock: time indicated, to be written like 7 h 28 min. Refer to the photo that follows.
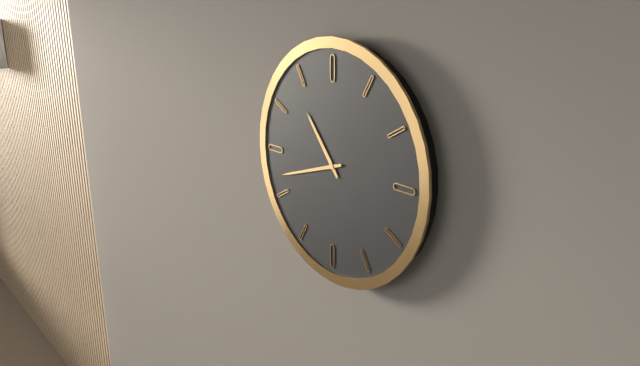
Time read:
10 h 42 min
